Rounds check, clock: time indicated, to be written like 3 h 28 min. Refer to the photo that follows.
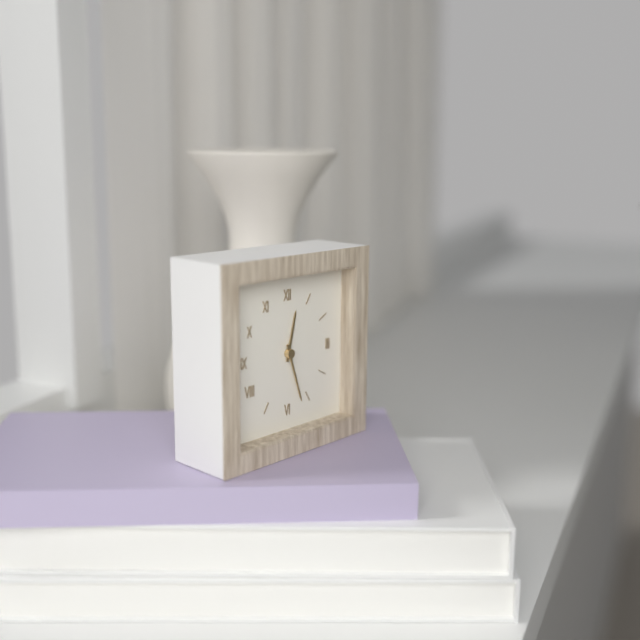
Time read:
12 h 27 min
